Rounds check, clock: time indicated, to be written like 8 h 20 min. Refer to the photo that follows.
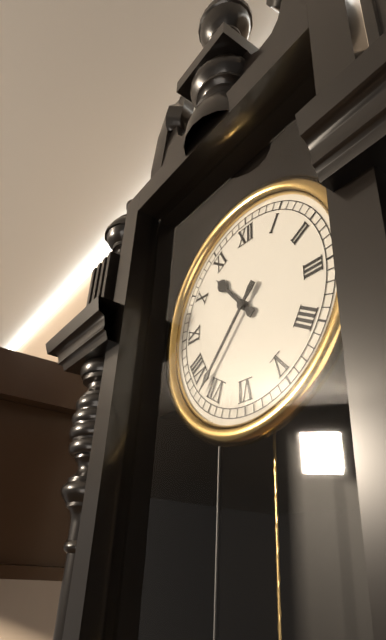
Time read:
10 h 37 min
